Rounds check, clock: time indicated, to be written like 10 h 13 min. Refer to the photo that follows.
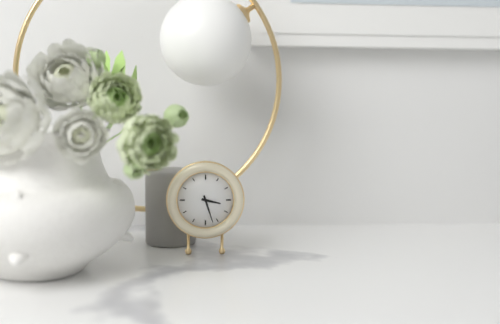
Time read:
3 h 27 min
